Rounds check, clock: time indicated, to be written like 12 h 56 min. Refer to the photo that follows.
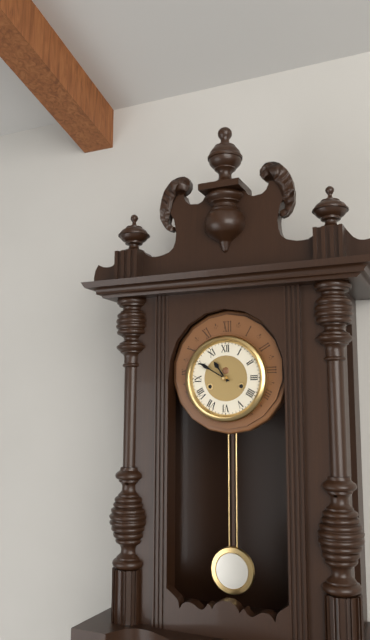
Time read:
10 h 50 min
